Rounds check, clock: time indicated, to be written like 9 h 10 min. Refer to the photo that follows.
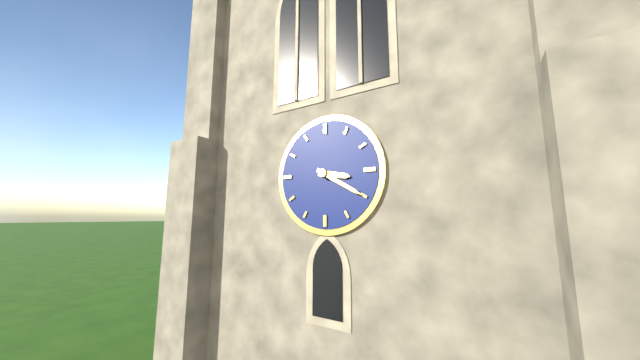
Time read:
3 h 20 min
